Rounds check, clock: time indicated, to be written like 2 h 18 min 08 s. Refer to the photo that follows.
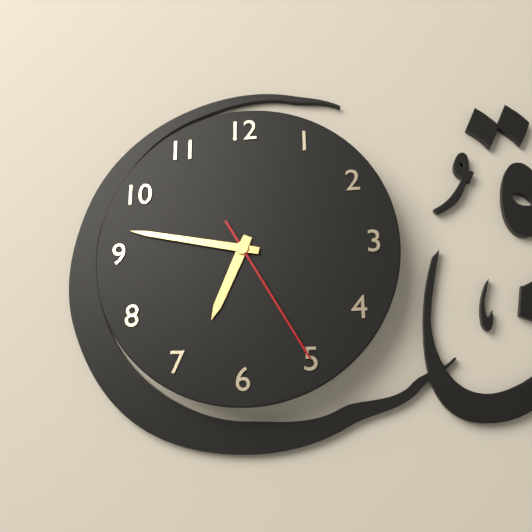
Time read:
6 h 47 min 25 s
